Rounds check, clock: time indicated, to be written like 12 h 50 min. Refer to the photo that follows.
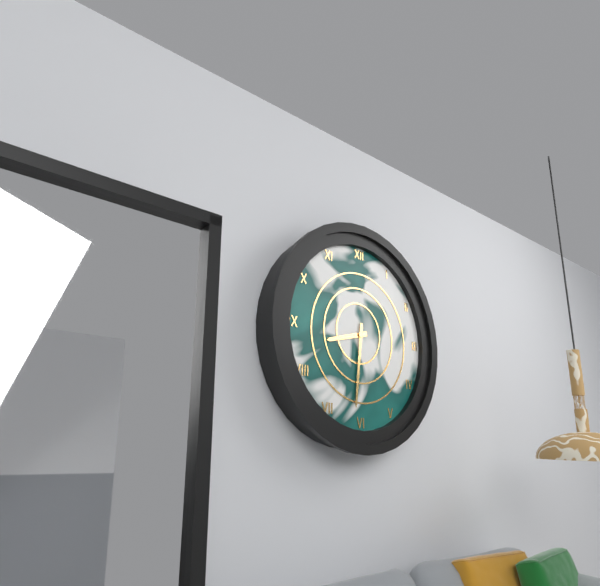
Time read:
8 h 31 min
